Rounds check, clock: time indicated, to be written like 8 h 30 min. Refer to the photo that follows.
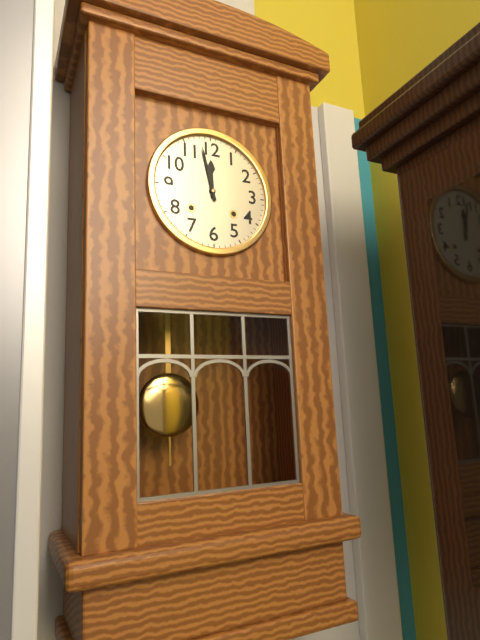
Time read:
11 h 58 min
